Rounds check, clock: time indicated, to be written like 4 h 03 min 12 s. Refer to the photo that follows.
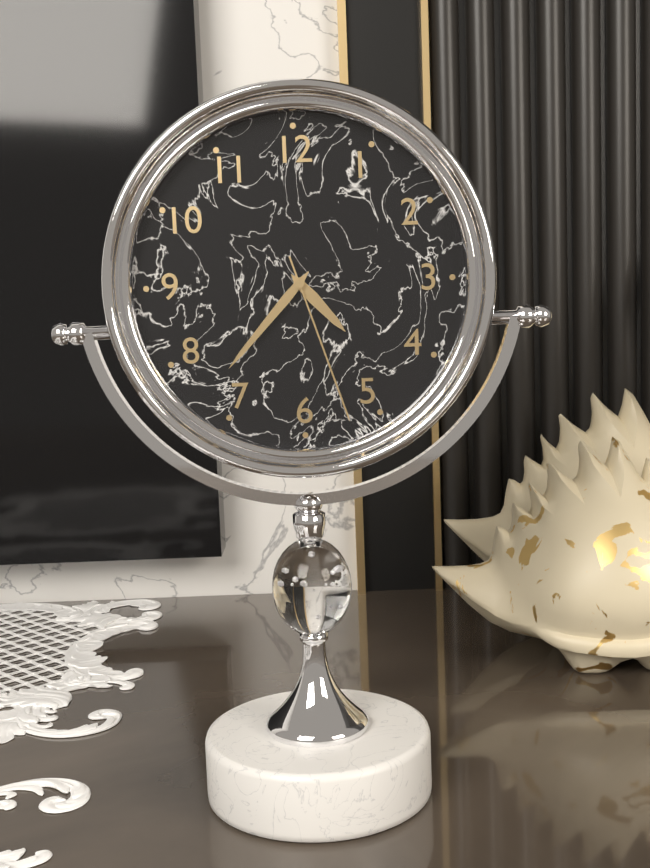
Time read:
4 h 37 min 27 s
